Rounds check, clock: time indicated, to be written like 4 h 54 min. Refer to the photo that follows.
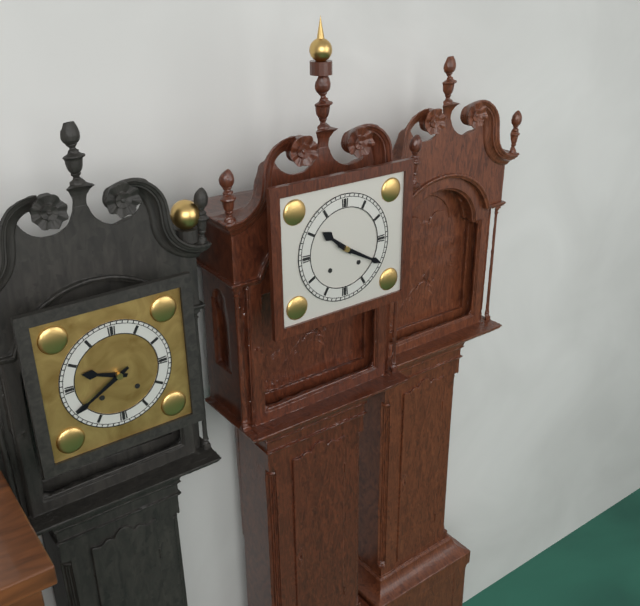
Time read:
10 h 20 min
